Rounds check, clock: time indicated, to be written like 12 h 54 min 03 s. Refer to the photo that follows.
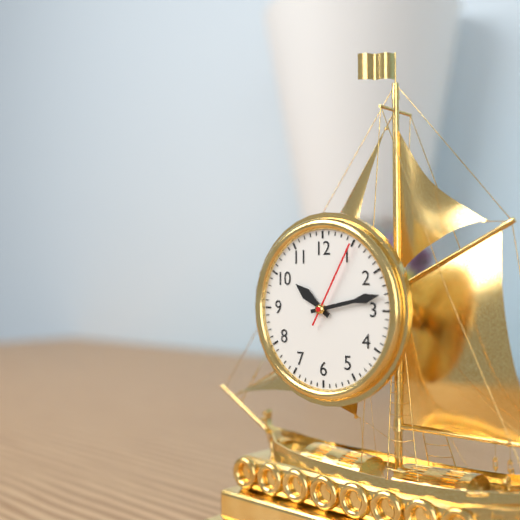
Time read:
10 h 13 min 05 s
